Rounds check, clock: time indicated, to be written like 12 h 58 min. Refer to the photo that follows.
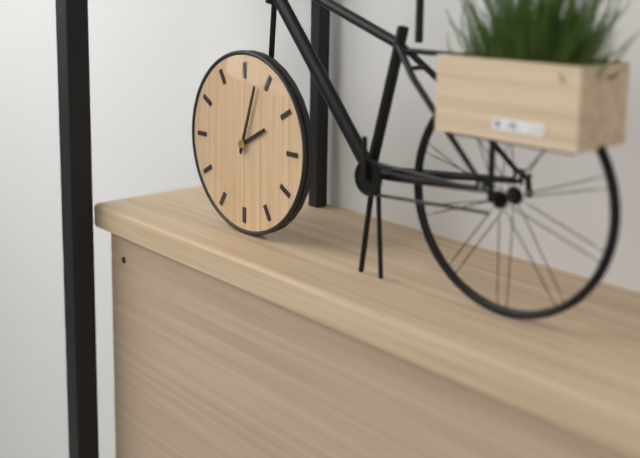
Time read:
2 h 03 min
